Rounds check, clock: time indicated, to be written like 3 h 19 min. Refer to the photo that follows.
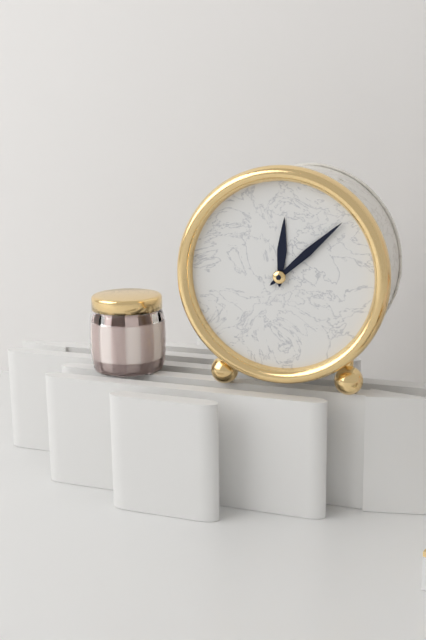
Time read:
12 h 08 min
